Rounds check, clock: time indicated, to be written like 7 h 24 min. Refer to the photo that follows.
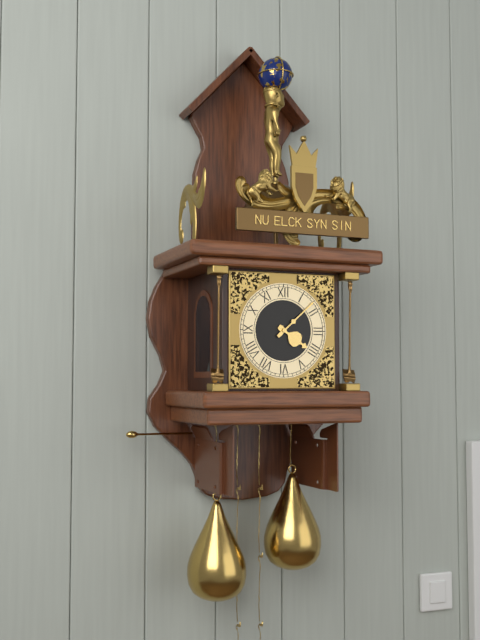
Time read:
4 h 08 min
